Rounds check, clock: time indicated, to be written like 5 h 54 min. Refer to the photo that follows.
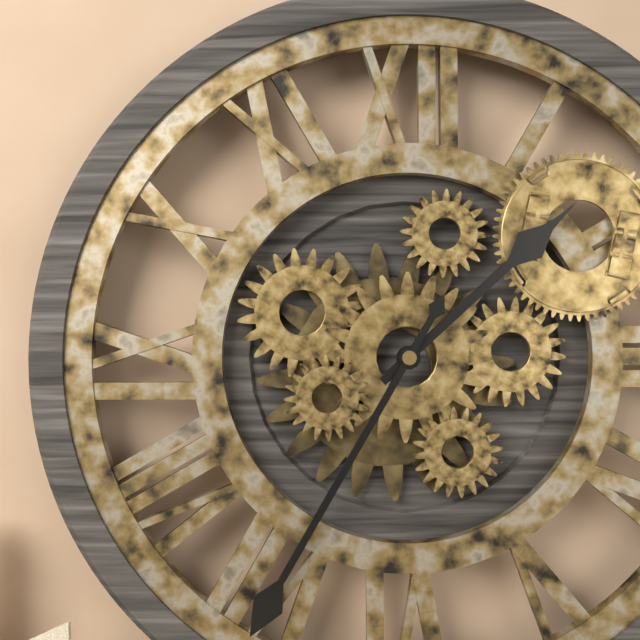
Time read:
1 h 35 min
